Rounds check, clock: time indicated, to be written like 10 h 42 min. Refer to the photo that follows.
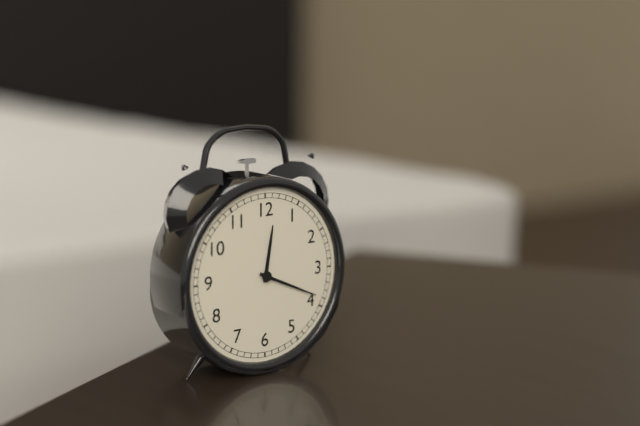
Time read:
12 h 19 min
